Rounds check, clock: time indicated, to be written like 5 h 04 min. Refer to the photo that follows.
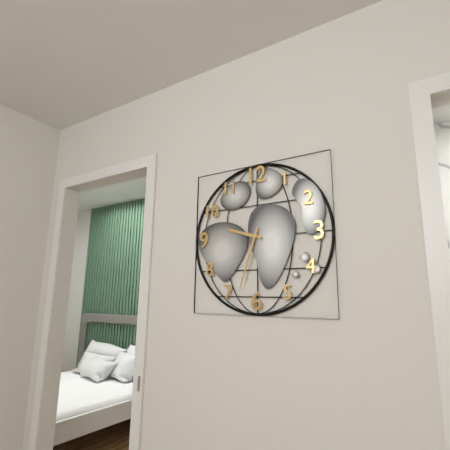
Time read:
9 h 33 min
